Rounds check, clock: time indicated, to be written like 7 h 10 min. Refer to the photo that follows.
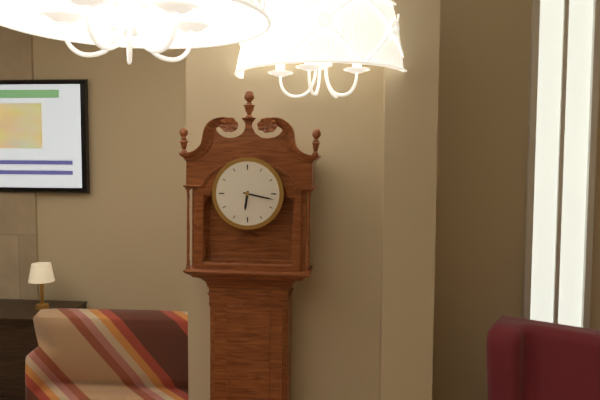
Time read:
6 h 17 min
